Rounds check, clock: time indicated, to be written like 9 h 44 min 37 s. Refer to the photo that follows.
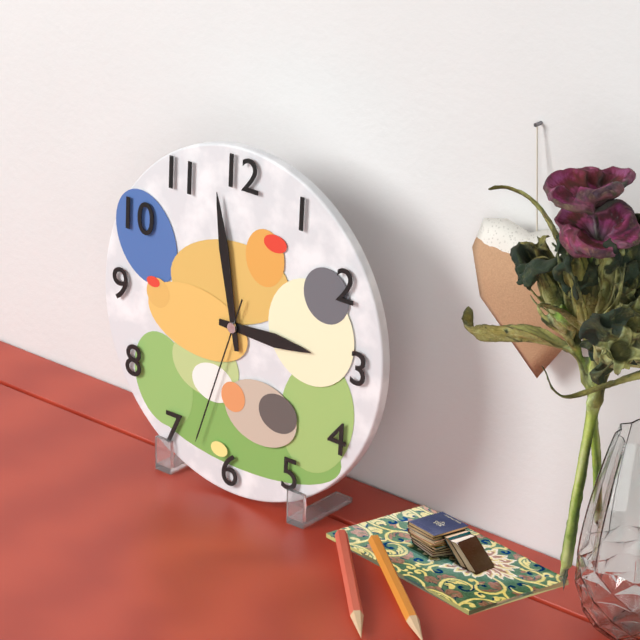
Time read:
2 h 58 min 33 s
